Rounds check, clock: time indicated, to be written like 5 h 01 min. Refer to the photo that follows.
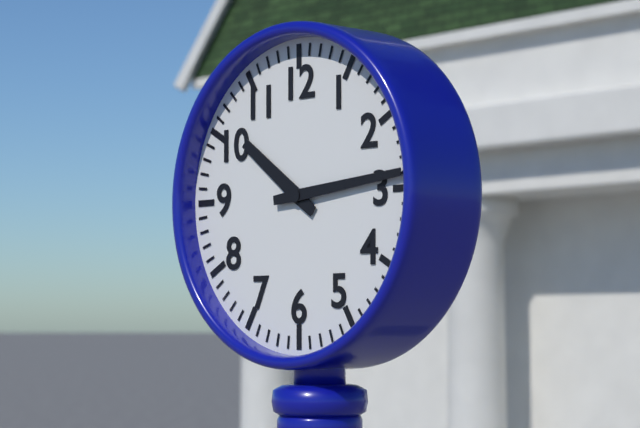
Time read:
10 h 14 min
